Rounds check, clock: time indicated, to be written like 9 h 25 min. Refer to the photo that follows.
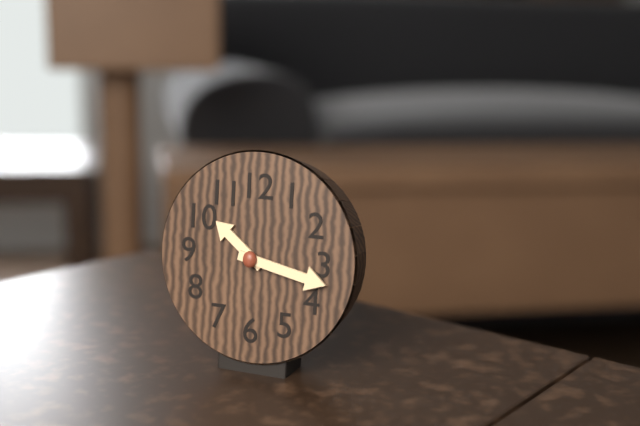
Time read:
10 h 17 min
